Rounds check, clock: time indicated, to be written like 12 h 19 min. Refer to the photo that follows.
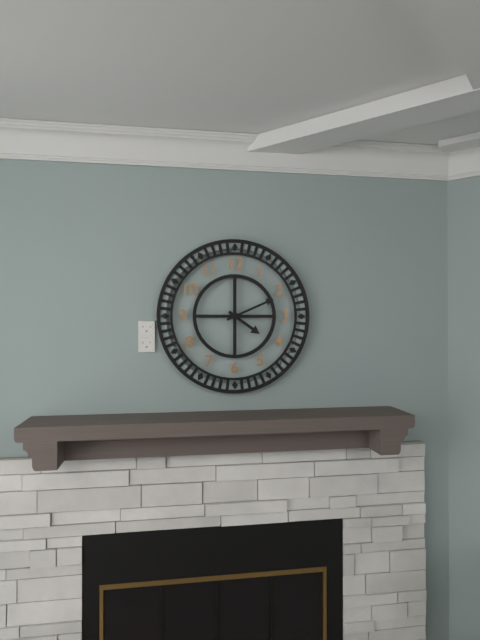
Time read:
4 h 11 min
